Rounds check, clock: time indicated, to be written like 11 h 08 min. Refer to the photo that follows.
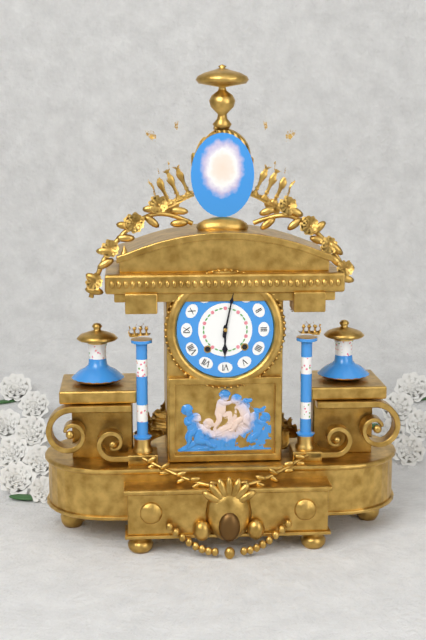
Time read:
6 h 02 min
